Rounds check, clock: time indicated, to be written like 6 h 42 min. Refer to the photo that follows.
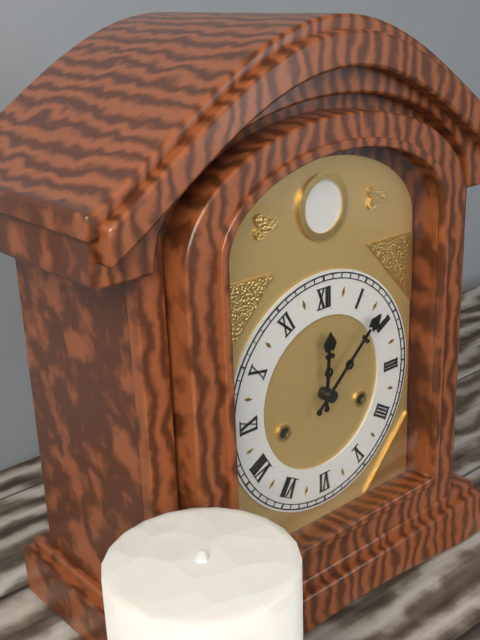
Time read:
12 h 08 min
